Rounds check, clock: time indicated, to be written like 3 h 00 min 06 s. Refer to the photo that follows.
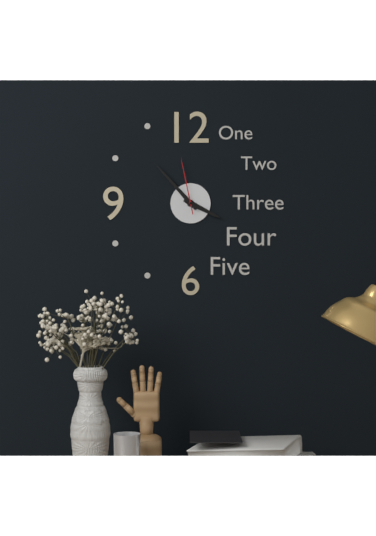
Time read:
3 h 53 min 58 s
